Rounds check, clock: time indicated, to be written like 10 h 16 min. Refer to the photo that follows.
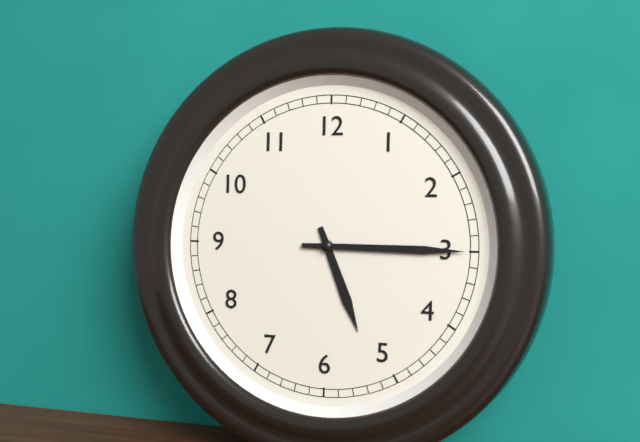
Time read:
5 h 15 min
